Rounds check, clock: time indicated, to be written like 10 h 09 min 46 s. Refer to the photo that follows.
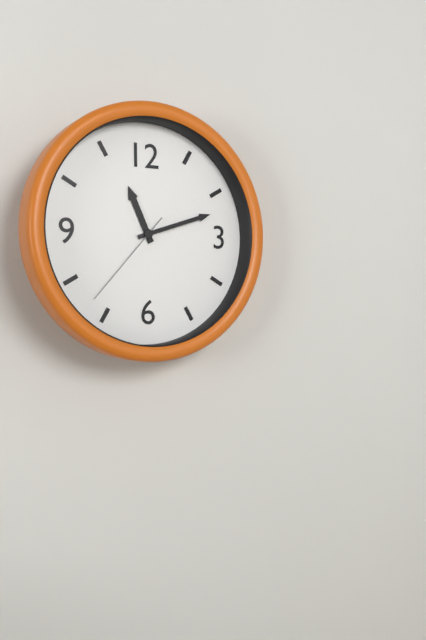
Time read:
11 h 12 min 37 s
